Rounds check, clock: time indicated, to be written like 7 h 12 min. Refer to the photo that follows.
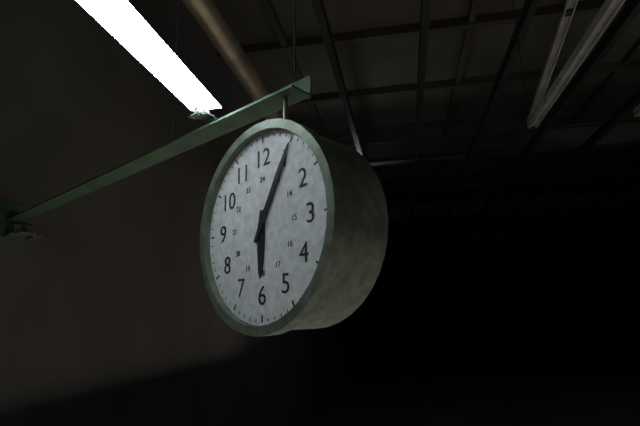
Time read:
6 h 05 min
